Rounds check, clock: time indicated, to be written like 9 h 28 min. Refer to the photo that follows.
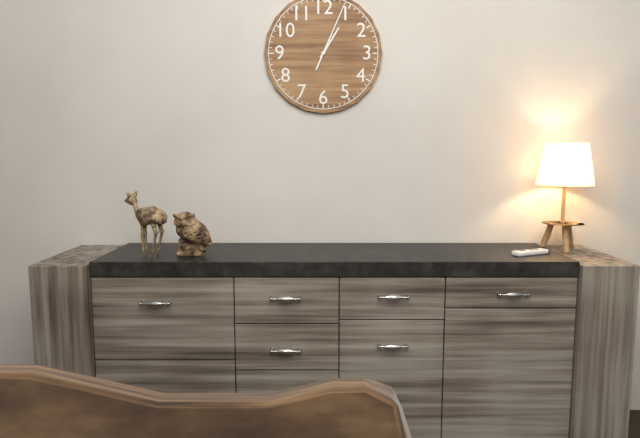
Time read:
1 h 04 min
